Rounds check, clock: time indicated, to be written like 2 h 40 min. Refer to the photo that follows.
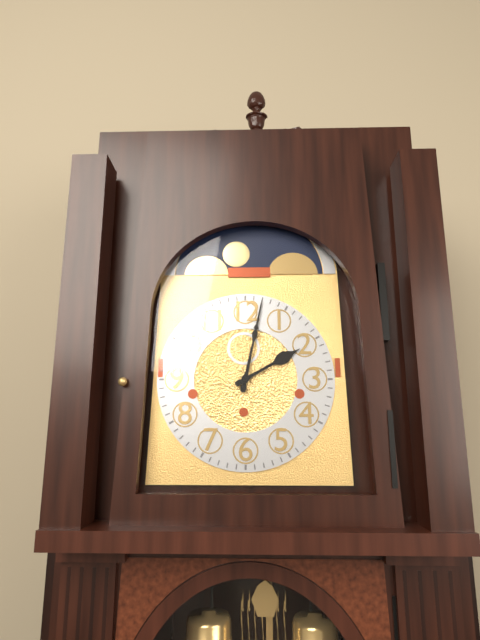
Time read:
2 h 02 min
